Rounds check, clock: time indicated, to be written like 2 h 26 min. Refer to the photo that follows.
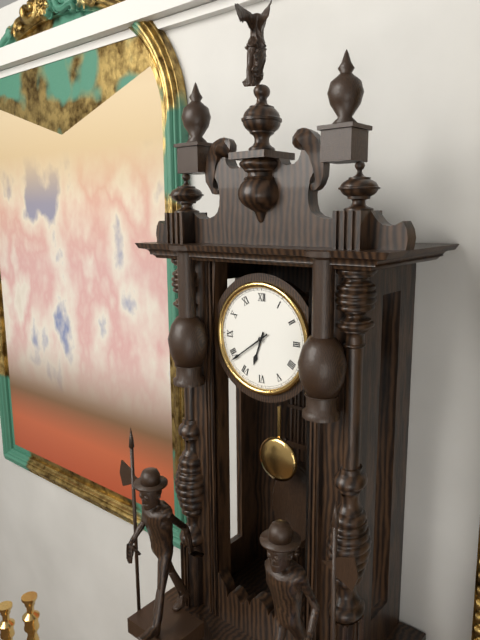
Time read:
6 h 39 min
